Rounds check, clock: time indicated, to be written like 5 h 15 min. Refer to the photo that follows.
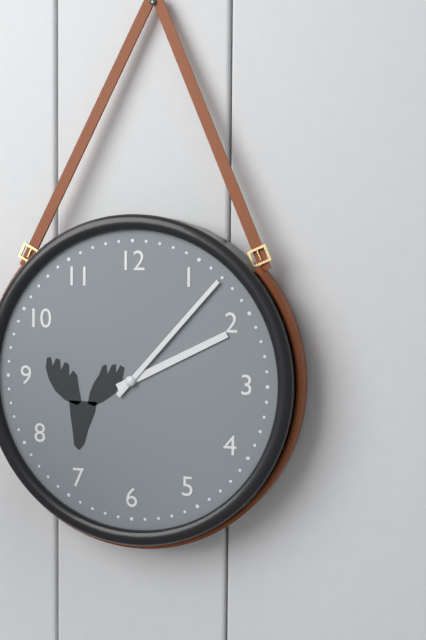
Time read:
2 h 07 min
